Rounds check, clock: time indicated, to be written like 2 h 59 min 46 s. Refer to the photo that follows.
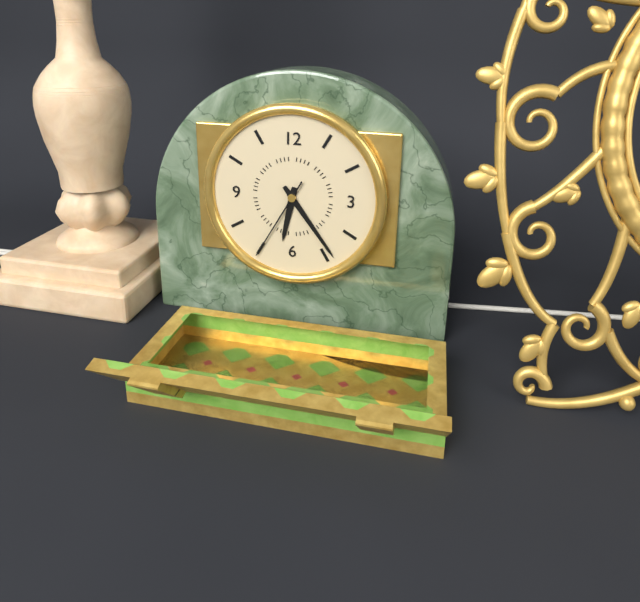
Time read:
6 h 24 min 35 s
